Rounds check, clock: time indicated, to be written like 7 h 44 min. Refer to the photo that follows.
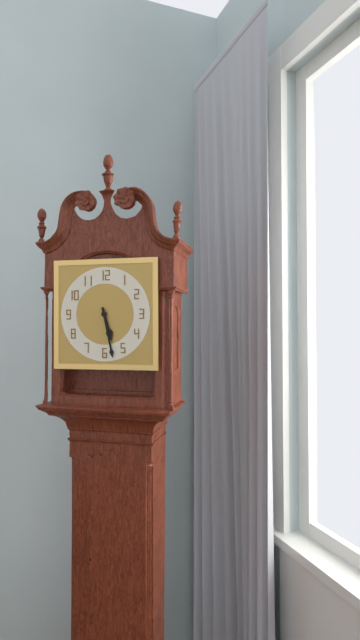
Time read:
5 h 28 min
